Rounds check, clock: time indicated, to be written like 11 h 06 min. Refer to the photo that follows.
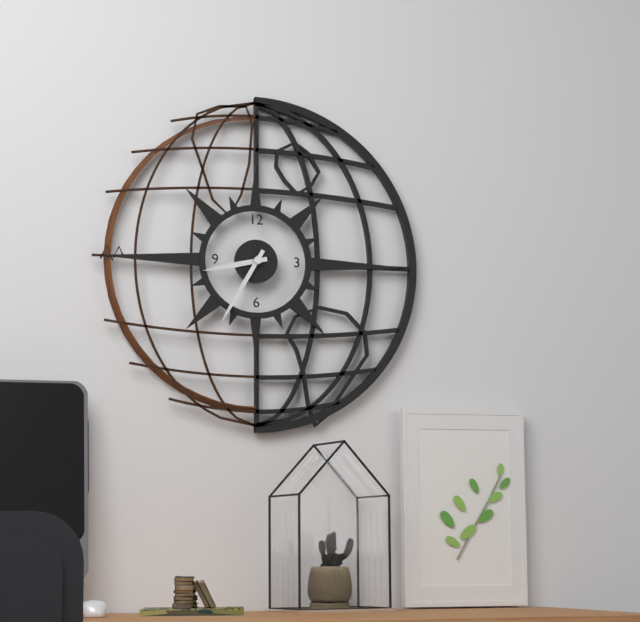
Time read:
8 h 35 min
